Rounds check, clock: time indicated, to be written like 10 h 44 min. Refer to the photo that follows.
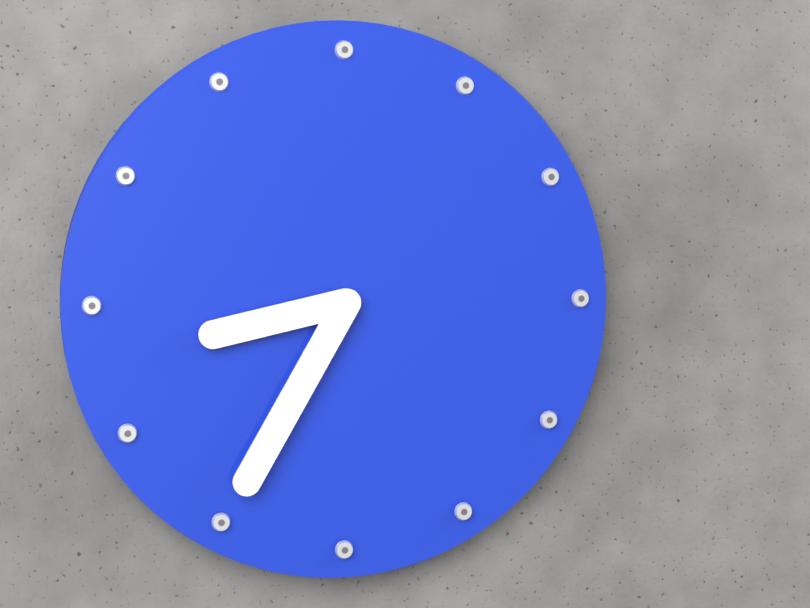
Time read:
8 h 35 min
